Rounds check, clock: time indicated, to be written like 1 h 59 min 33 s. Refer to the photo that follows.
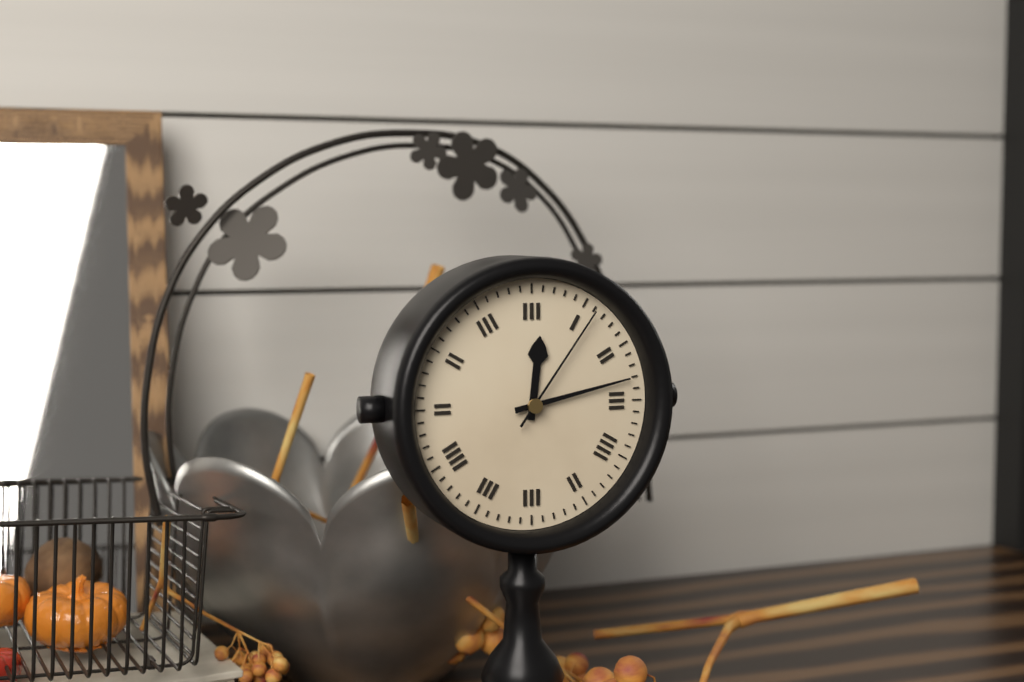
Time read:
12 h 13 min 06 s
